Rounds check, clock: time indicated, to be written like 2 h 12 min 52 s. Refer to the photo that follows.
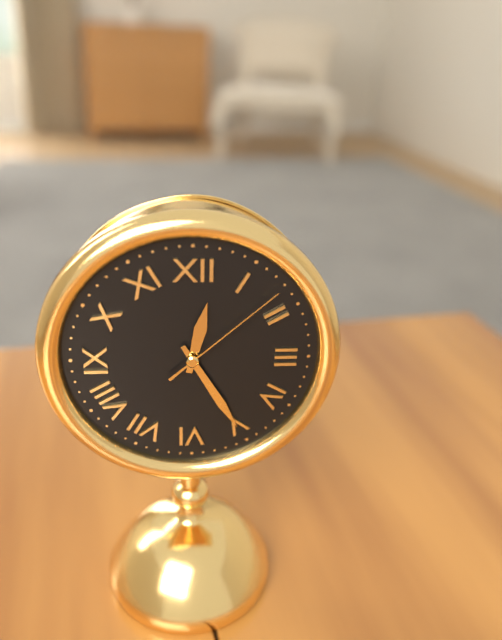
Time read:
12 h 25 min 08 s
